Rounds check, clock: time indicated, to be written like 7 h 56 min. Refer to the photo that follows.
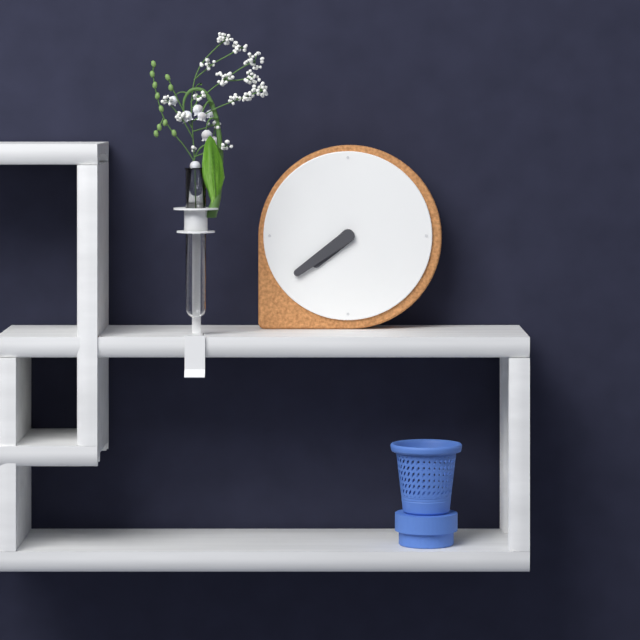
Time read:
7 h 39 min
